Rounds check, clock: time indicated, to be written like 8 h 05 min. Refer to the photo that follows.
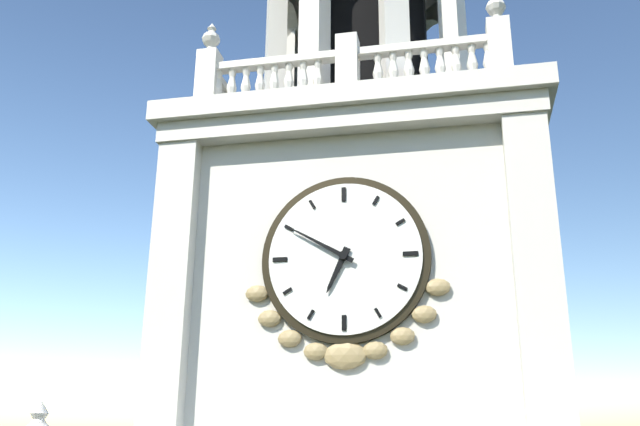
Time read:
6 h 50 min
